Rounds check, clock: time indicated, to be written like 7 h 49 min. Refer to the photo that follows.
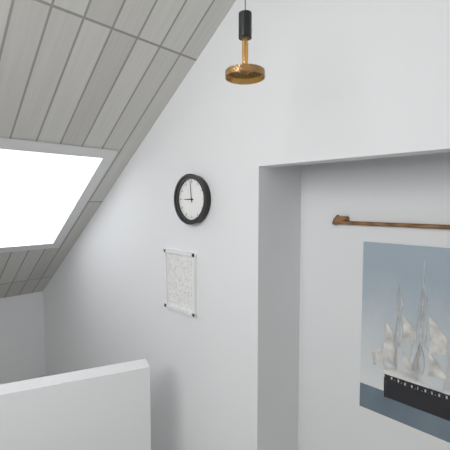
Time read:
8 h 59 min
